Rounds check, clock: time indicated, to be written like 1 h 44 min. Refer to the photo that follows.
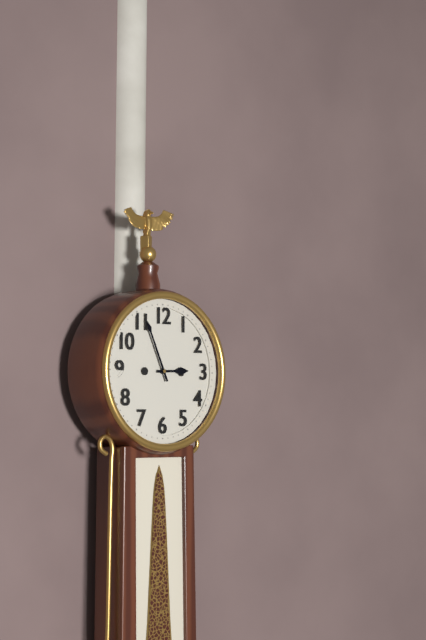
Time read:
2 h 56 min
